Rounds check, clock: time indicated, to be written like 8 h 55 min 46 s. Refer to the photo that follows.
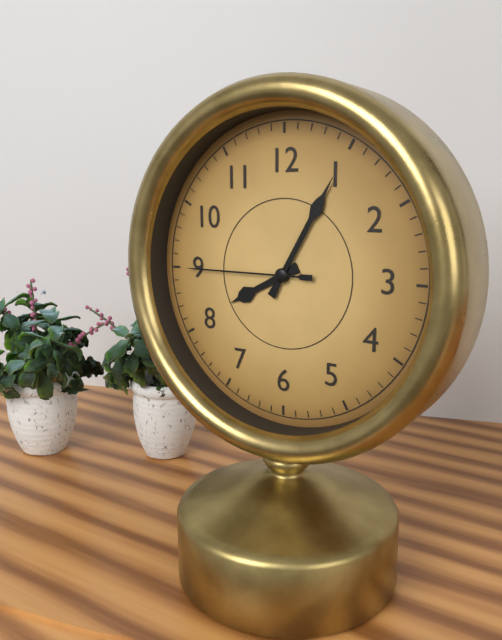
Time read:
8 h 05 min 45 s
